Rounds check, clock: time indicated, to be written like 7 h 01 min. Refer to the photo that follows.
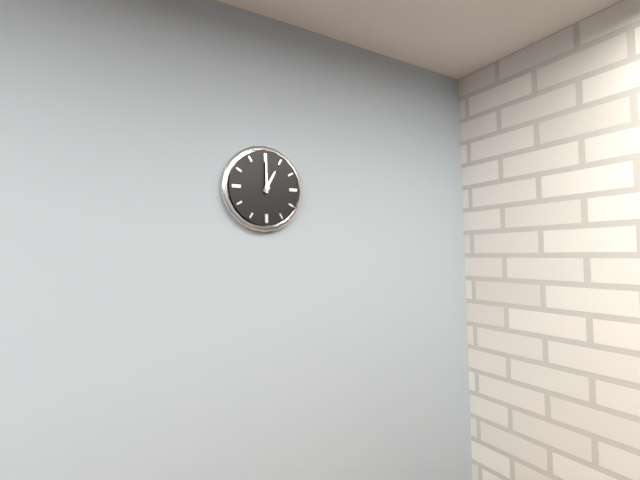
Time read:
1 h 00 min
